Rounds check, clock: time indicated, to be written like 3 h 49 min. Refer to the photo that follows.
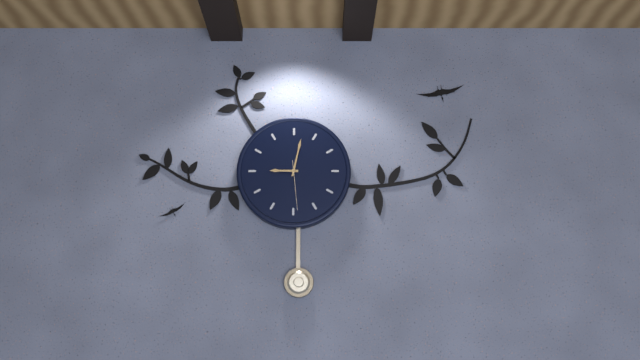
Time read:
9 h 02 min
